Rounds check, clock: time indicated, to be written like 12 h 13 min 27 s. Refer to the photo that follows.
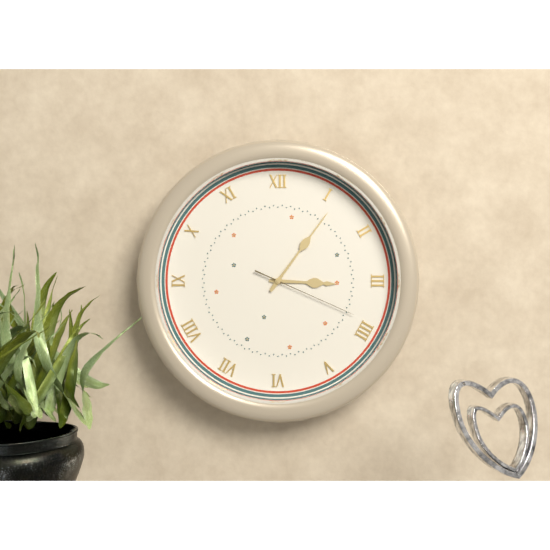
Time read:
3 h 06 min 19 s
